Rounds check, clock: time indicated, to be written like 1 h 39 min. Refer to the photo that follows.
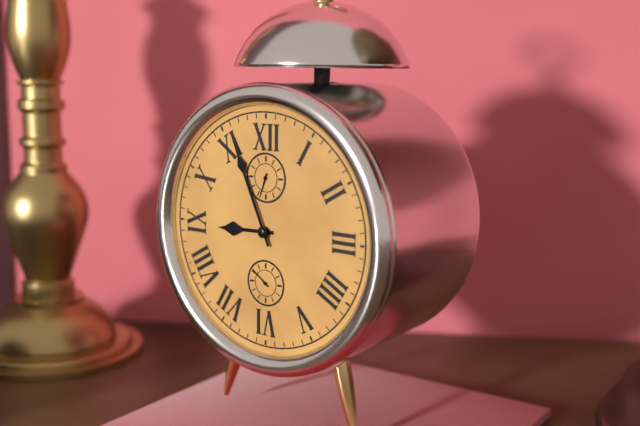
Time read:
8 h 56 min
